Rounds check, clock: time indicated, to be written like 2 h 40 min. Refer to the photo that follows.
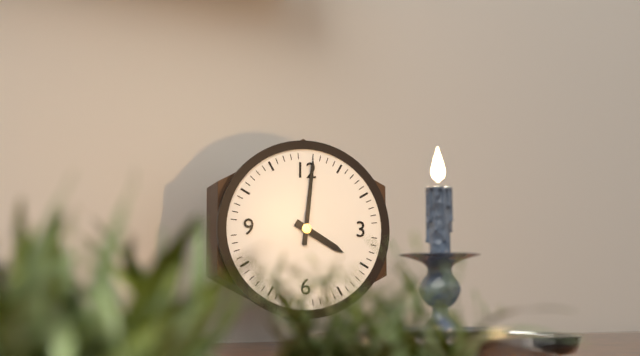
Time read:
4 h 01 min
